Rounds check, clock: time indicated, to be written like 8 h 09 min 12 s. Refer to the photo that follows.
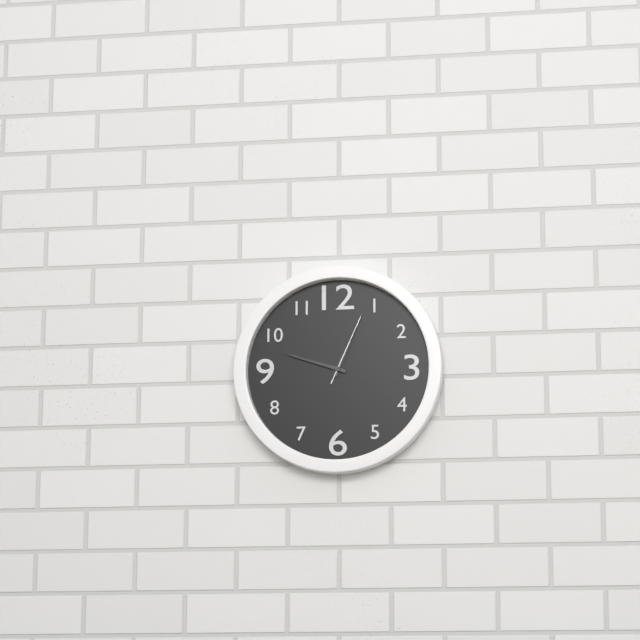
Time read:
12 h 48 min 04 s
